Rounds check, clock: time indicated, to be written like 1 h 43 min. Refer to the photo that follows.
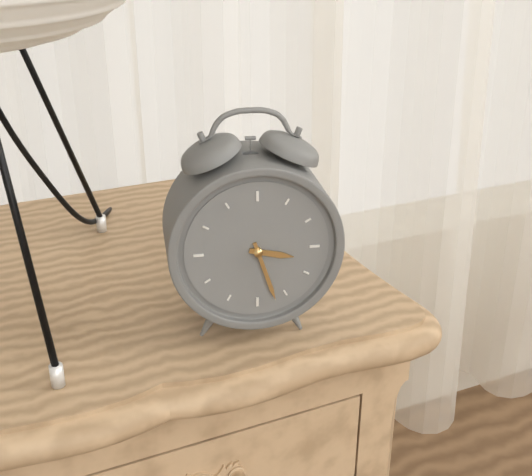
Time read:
3 h 27 min
